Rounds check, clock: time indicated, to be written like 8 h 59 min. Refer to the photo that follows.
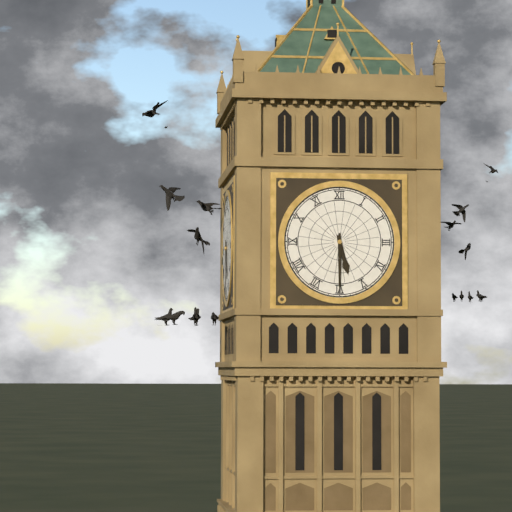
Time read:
5 h 30 min
